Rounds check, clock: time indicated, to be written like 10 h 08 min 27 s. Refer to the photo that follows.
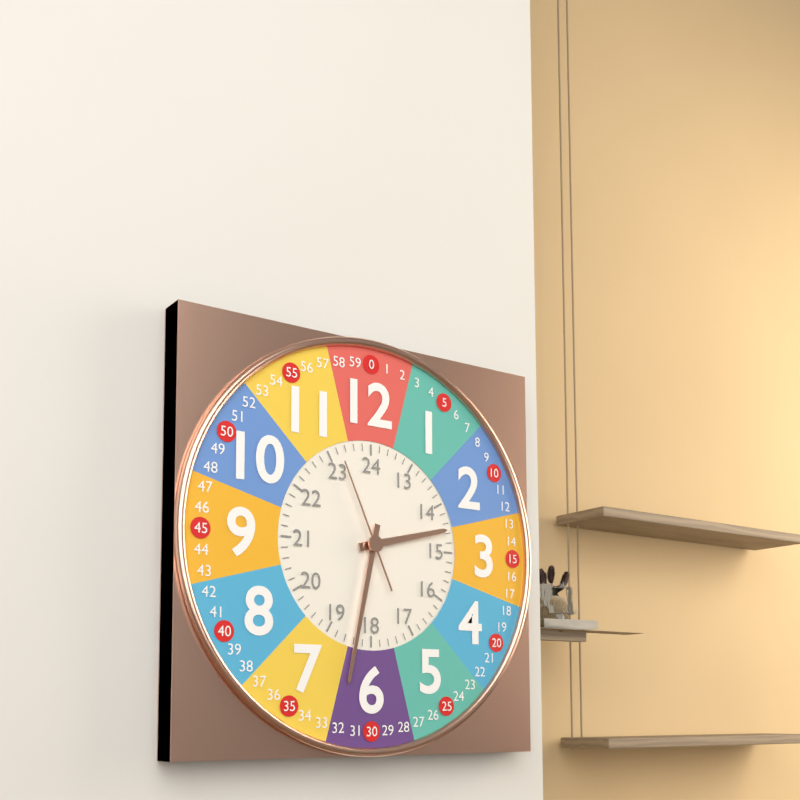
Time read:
2 h 32 min 56 s
